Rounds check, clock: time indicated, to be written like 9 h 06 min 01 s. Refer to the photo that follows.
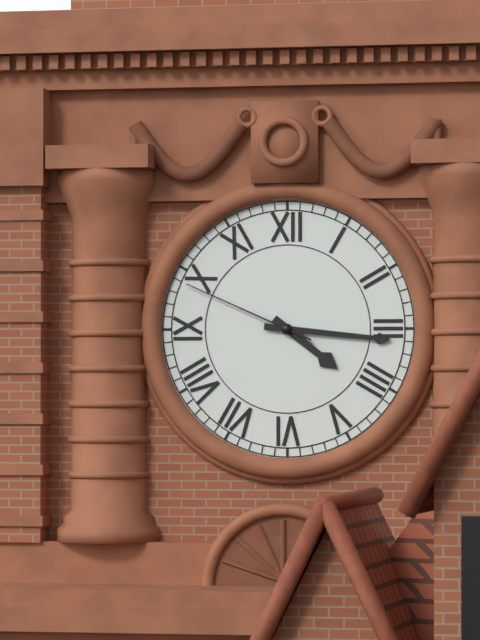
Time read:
4 h 16 min 49 s
